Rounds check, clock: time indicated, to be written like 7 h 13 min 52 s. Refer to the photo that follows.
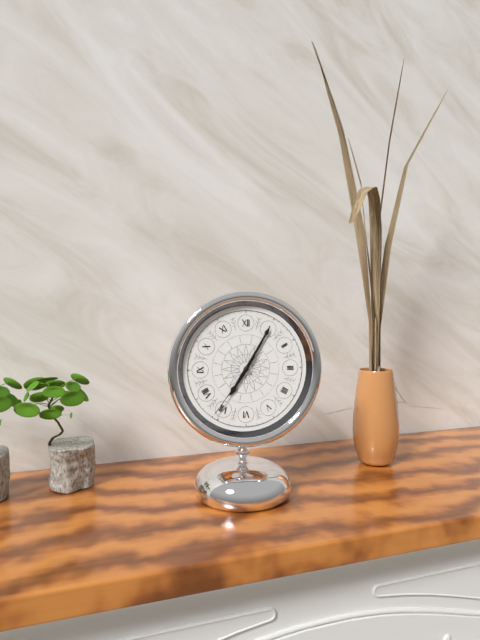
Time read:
7 h 05 min 36 s
